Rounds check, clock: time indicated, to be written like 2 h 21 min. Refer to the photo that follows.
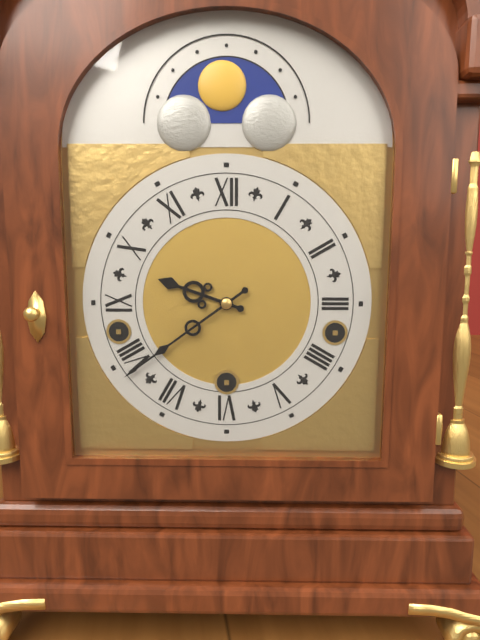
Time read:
9 h 39 min
